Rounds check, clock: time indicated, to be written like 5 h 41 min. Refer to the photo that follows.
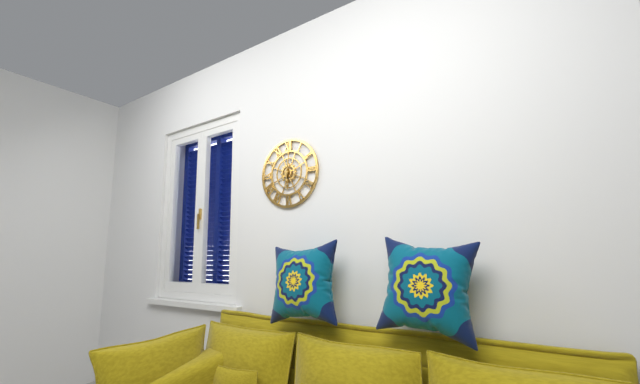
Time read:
6 h 01 min
